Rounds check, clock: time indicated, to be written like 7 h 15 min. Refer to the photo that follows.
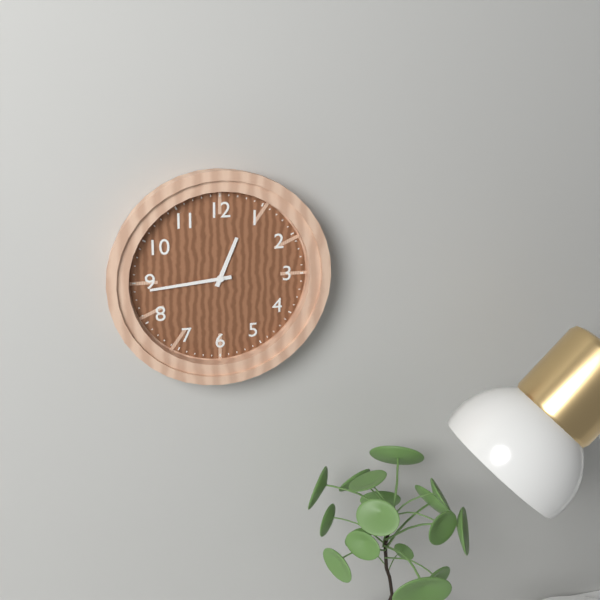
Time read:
12 h 44 min
